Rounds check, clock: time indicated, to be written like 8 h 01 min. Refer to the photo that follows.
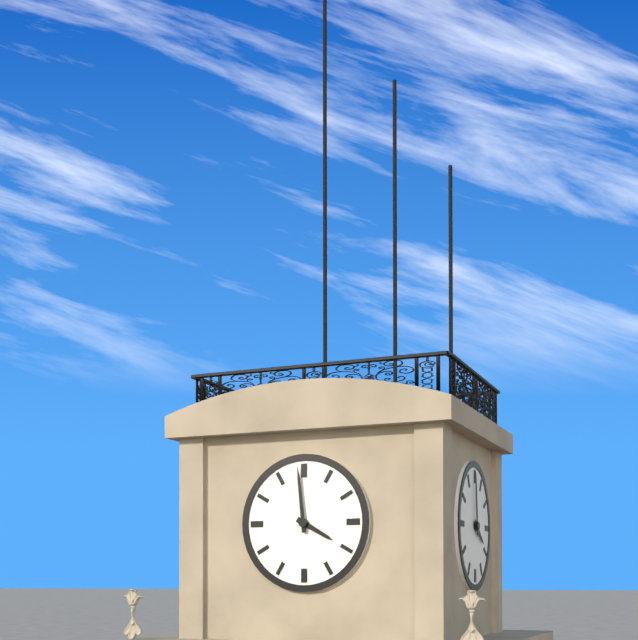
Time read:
3 h 59 min
